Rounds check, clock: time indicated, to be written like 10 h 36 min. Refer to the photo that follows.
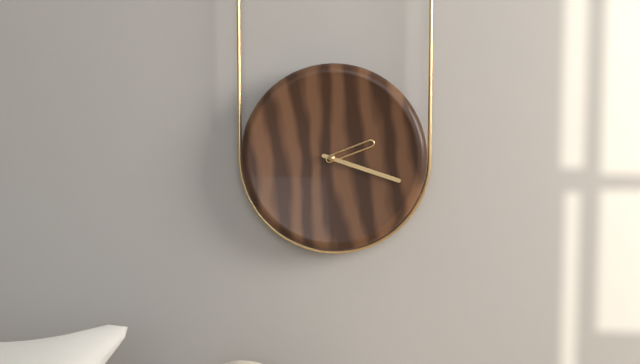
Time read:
2 h 18 min
